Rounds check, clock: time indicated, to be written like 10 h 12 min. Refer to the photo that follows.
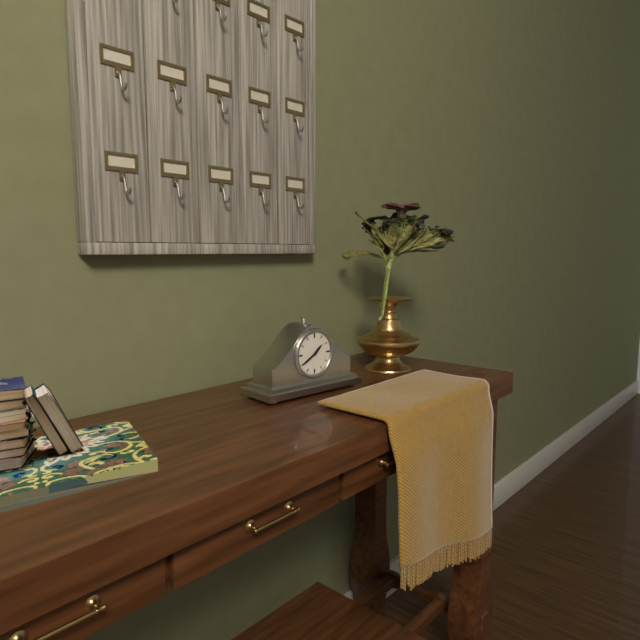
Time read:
1 h 40 min
